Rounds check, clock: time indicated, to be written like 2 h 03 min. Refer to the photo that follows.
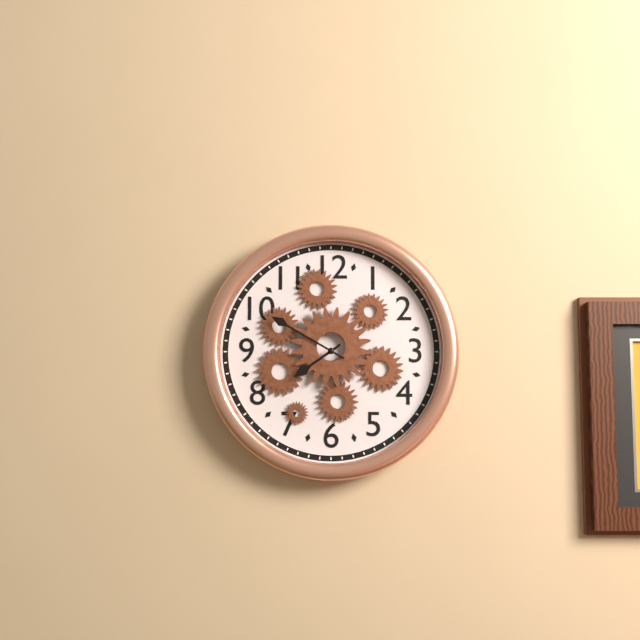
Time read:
7 h 50 min
